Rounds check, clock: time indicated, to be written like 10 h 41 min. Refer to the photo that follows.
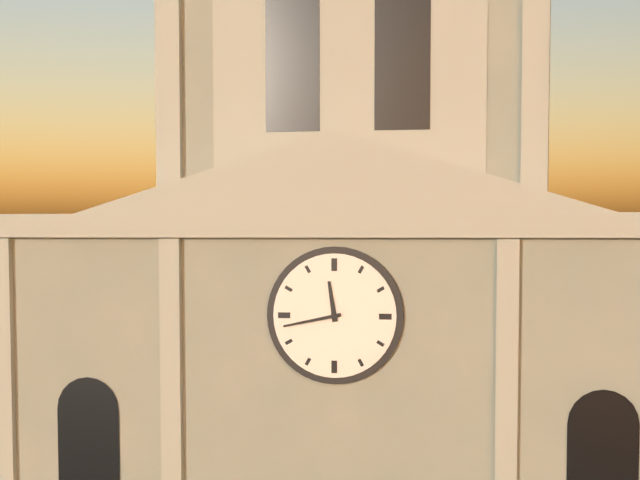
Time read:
11 h 43 min
